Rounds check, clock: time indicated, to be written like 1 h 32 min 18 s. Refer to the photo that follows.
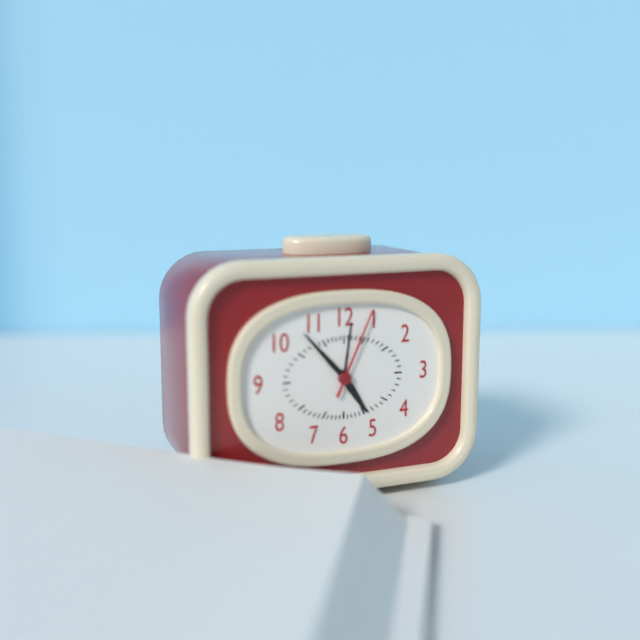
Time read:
4 h 53 min 04 s
